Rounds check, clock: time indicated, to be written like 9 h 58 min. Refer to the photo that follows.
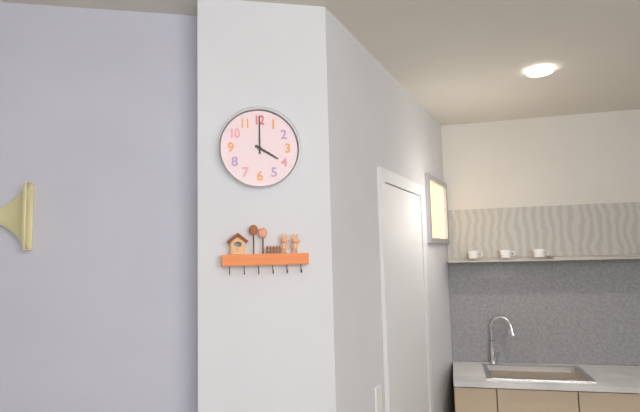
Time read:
4 h 00 min
